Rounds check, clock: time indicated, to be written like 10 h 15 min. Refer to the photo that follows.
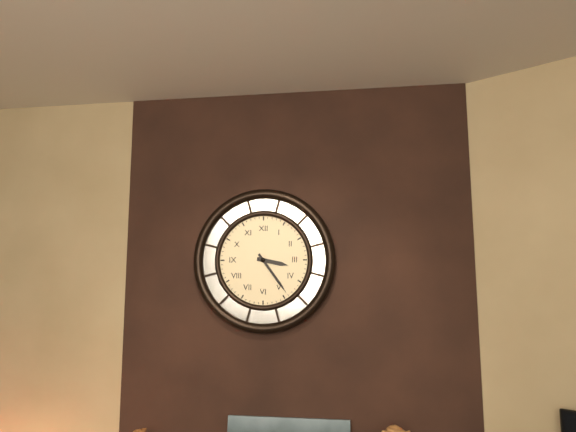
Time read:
3 h 24 min
